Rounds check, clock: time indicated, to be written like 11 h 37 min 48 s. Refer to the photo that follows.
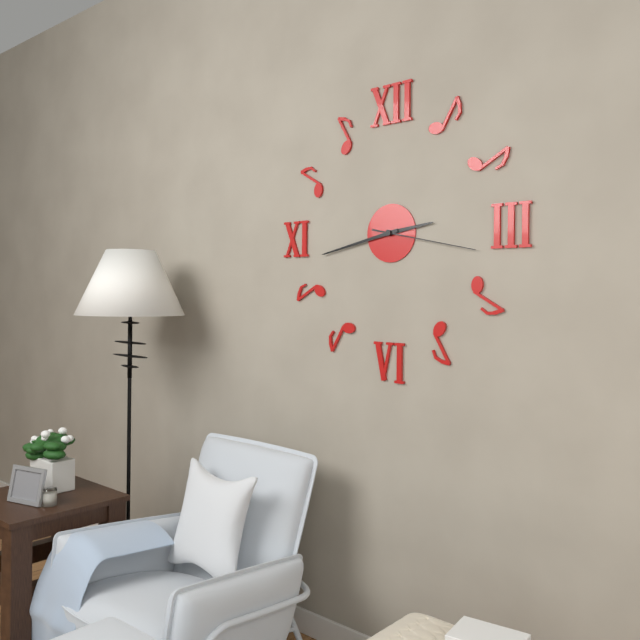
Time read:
2 h 43 min 17 s
